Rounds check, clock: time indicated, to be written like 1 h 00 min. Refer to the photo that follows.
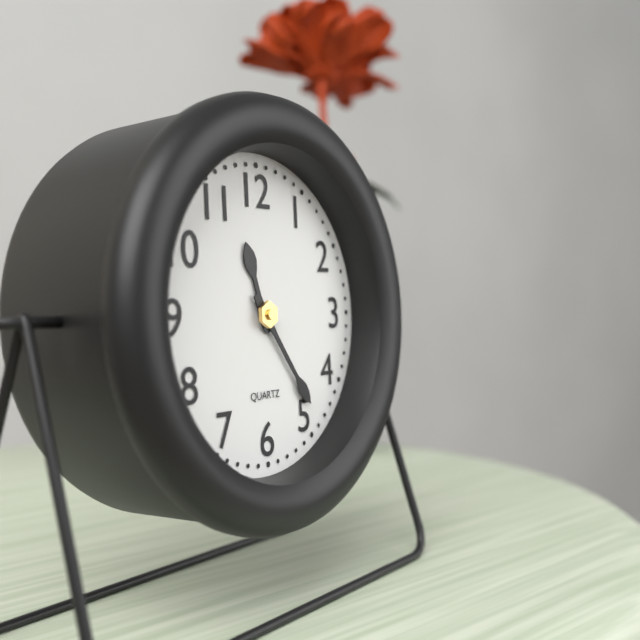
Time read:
11 h 24 min
